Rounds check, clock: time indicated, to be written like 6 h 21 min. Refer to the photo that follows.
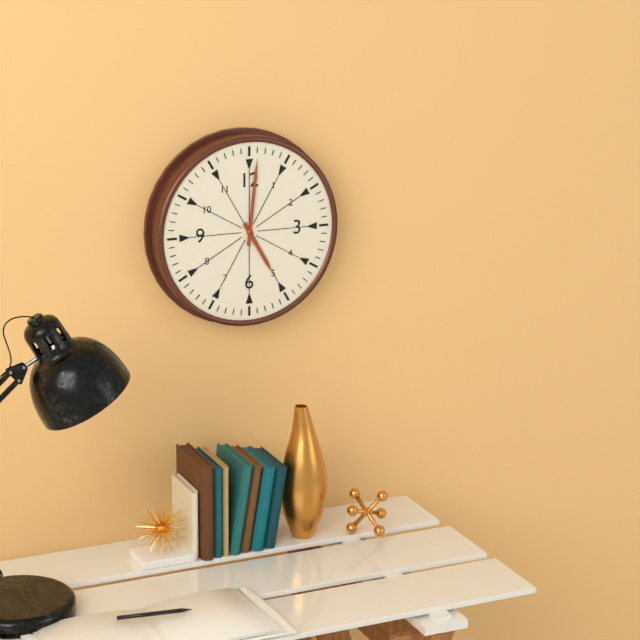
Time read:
5 h 01 min
